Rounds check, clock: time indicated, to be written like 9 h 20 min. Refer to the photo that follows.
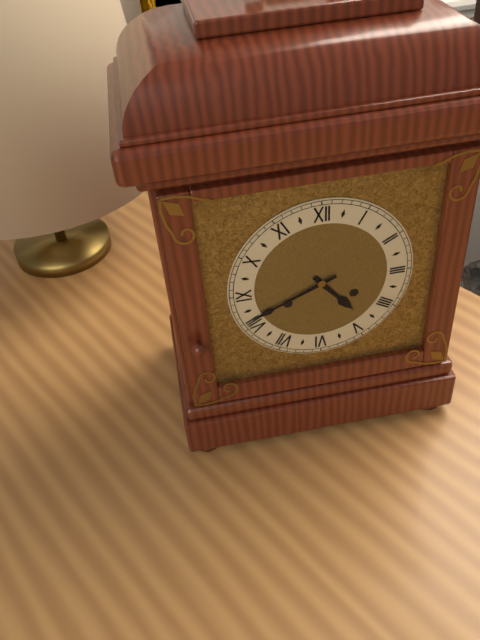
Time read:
4 h 41 min
